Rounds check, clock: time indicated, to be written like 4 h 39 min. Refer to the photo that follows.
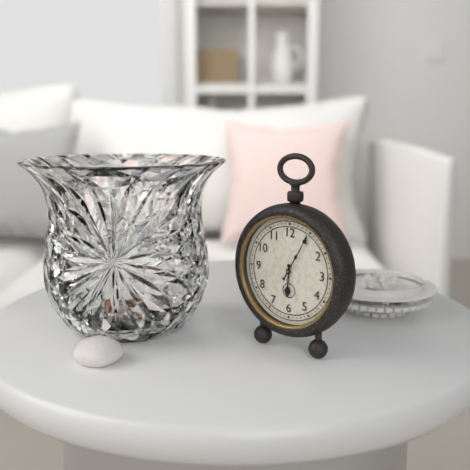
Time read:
6 h 05 min
